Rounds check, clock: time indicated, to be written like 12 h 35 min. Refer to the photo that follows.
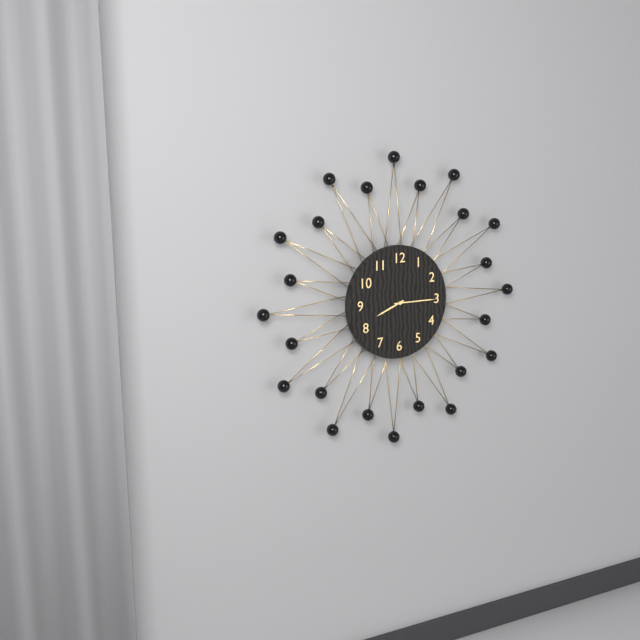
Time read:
8 h 15 min
